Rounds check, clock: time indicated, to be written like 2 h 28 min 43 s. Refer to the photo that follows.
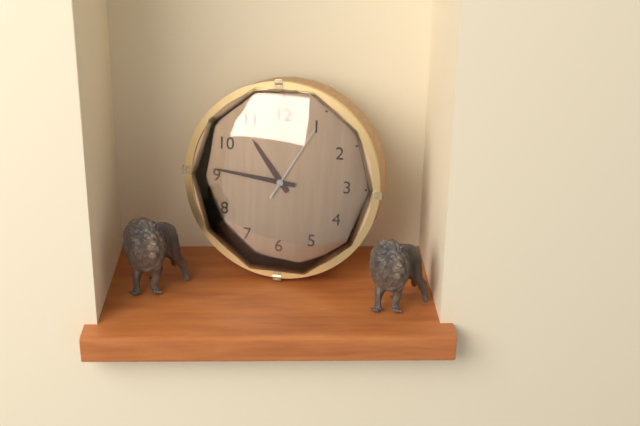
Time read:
10 h 46 min 05 s
